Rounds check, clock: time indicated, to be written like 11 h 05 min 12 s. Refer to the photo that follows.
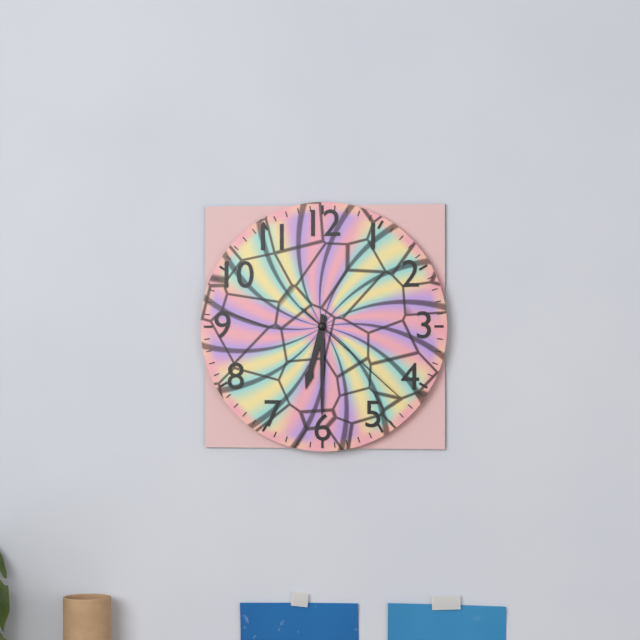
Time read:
6 h 30 min 22 s
